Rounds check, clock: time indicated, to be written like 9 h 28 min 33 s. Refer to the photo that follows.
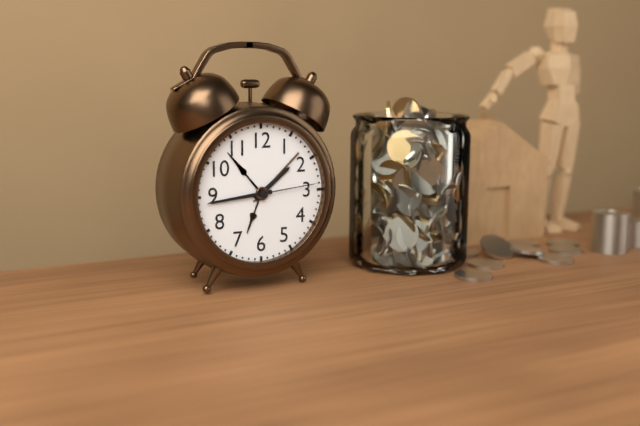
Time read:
1 h 44 min 14 s
